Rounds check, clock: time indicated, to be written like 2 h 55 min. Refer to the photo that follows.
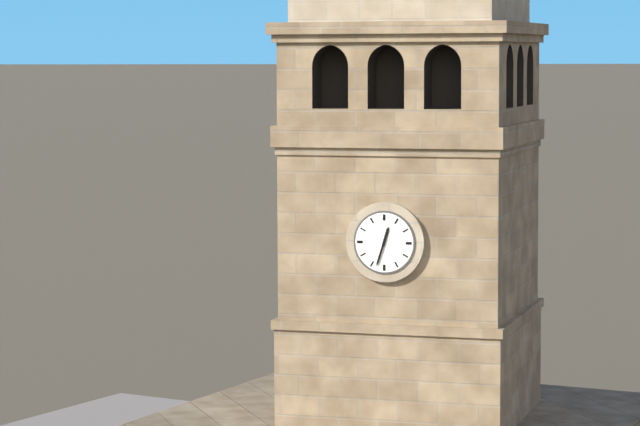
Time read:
12 h 33 min
